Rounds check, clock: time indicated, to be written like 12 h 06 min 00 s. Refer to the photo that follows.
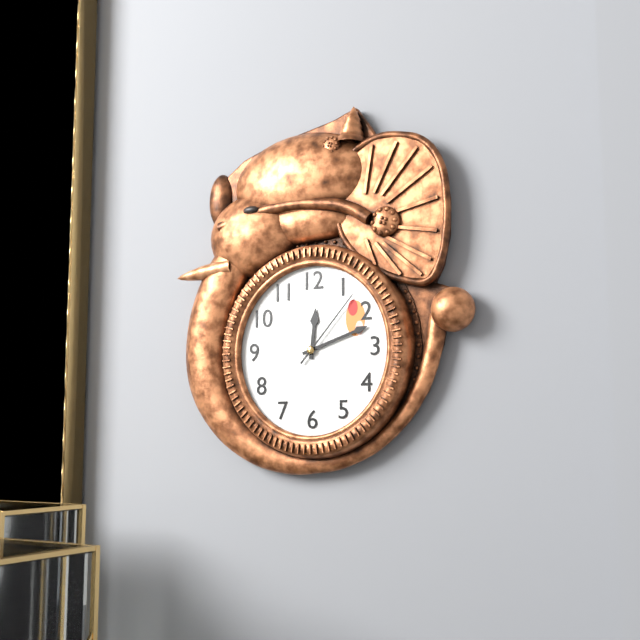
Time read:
12 h 12 min 07 s
